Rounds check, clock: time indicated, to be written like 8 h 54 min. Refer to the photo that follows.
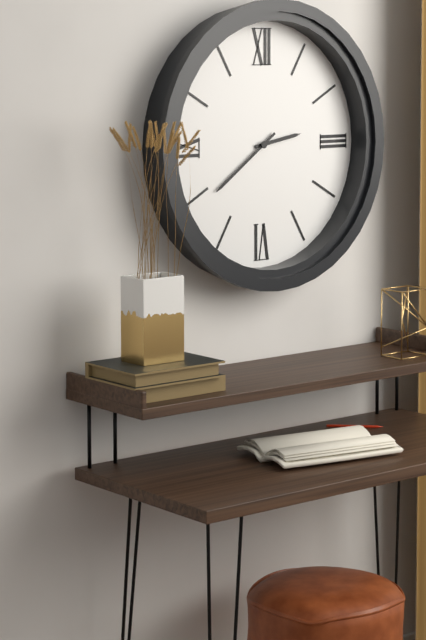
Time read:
2 h 39 min
